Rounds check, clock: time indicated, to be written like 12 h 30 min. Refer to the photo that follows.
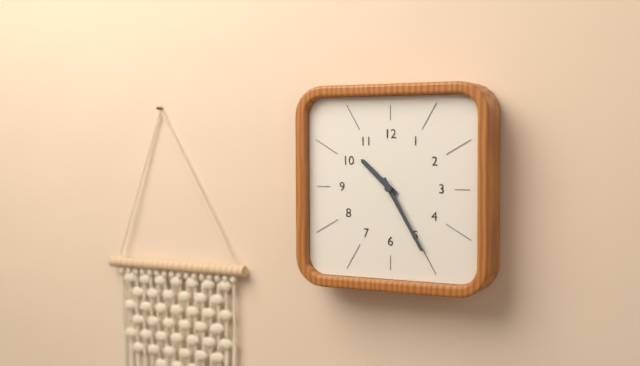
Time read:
10 h 25 min
